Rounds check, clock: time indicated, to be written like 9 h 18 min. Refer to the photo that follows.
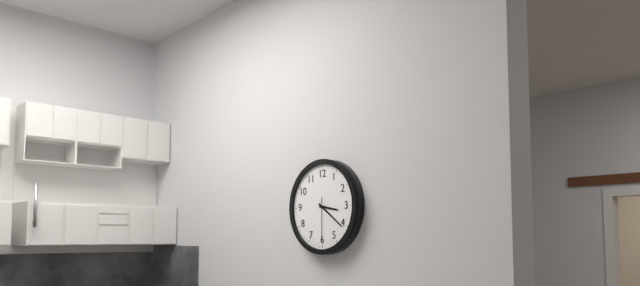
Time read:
3 h 21 min
